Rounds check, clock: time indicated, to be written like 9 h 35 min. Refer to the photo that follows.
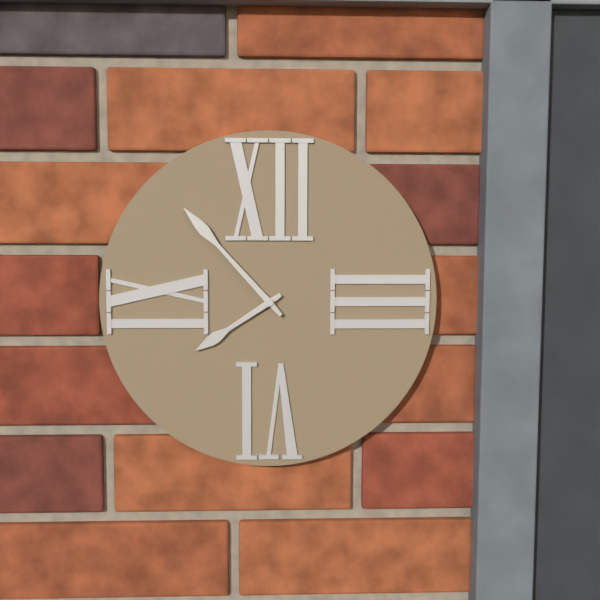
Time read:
7 h 53 min
